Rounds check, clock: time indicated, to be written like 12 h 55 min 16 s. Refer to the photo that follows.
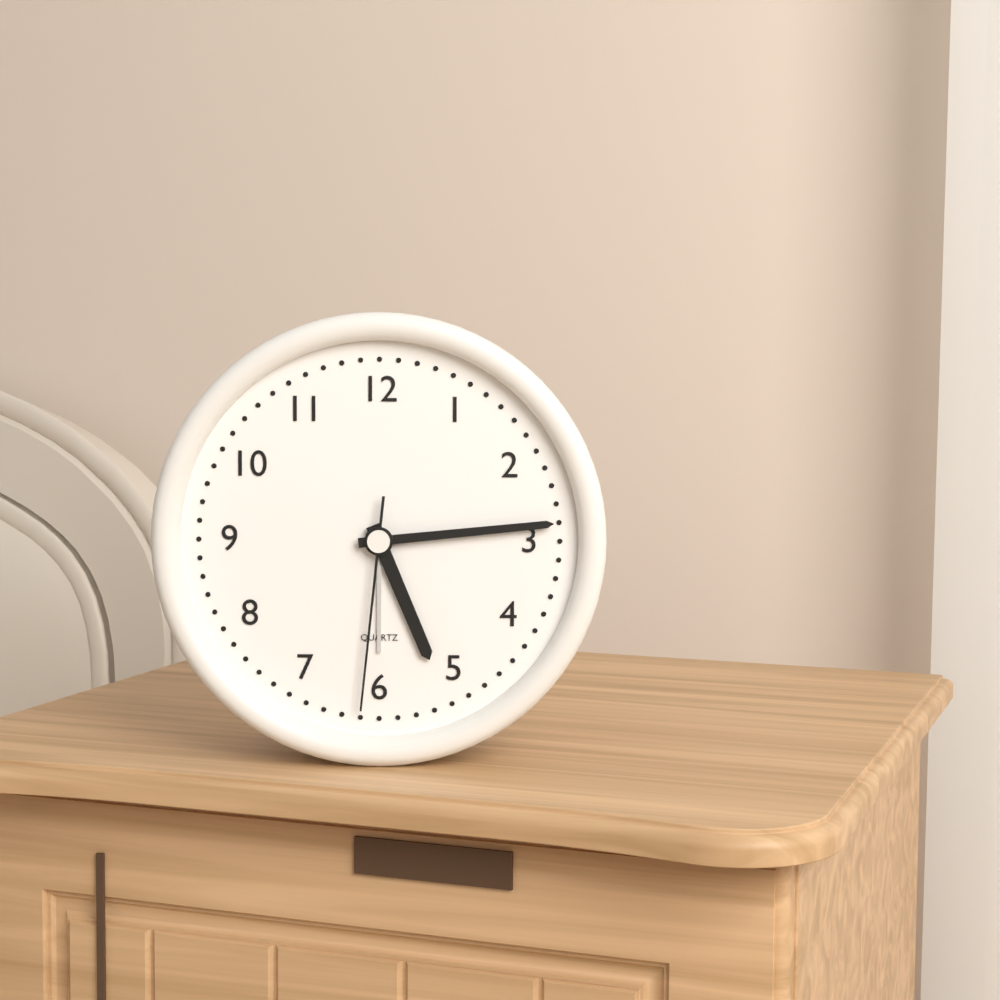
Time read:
5 h 14 min 31 s
